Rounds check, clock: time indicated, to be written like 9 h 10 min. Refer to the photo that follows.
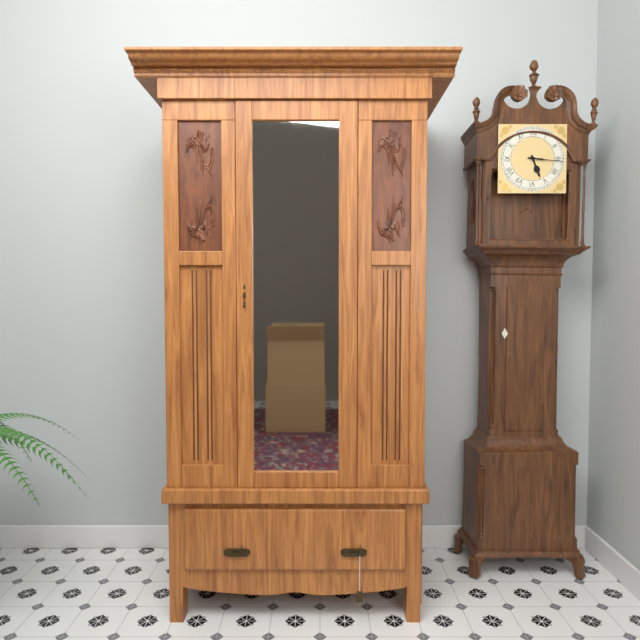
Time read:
5 h 16 min
